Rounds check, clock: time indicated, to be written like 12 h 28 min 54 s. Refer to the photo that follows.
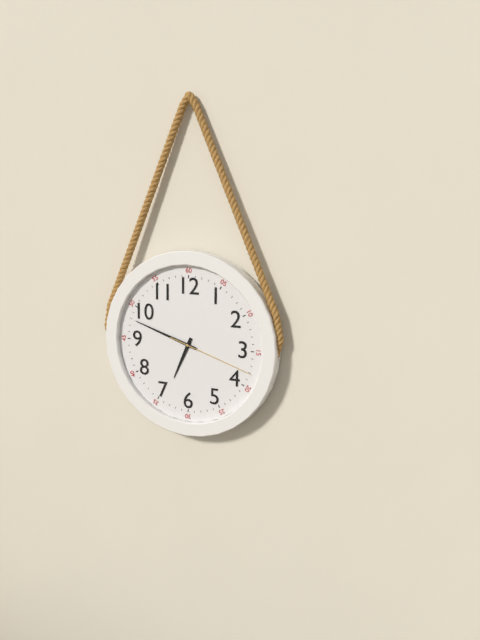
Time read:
6 h 48 min 18 s
